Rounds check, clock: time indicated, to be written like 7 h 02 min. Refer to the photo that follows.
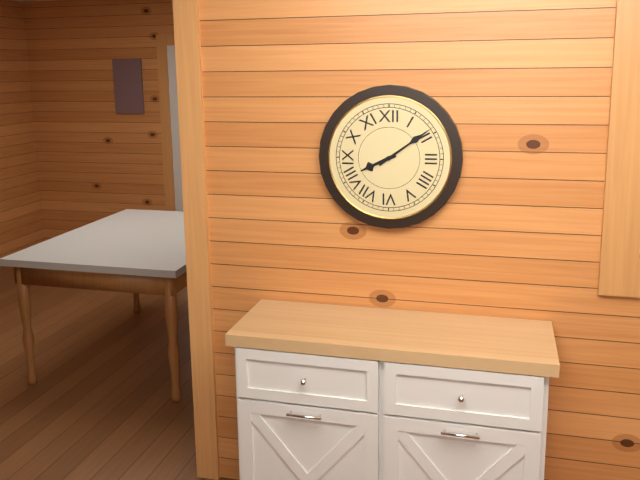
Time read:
8 h 09 min
